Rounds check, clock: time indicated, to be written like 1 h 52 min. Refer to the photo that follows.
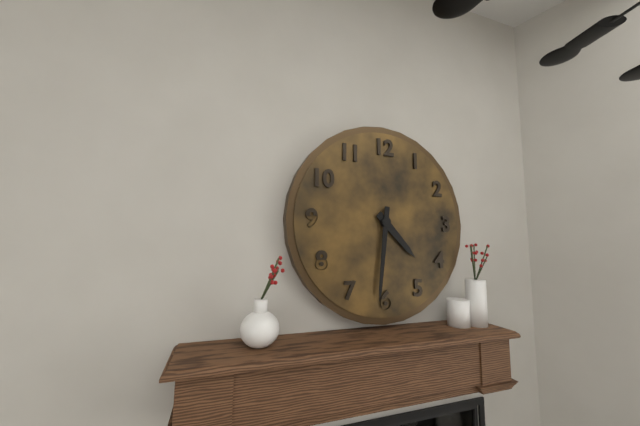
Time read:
4 h 31 min
